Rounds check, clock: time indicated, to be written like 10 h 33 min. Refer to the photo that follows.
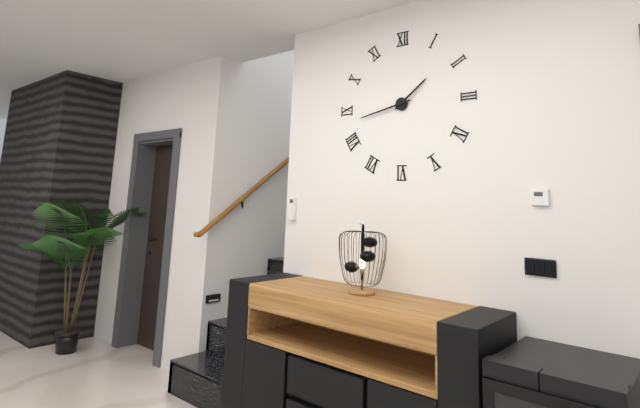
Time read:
1 h 43 min
